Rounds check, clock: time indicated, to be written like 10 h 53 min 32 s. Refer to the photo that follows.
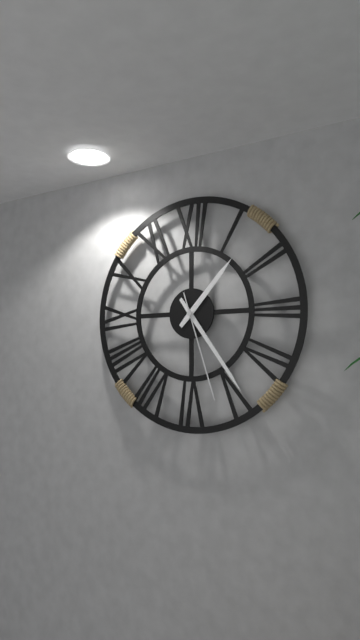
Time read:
1 h 24 min 27 s
